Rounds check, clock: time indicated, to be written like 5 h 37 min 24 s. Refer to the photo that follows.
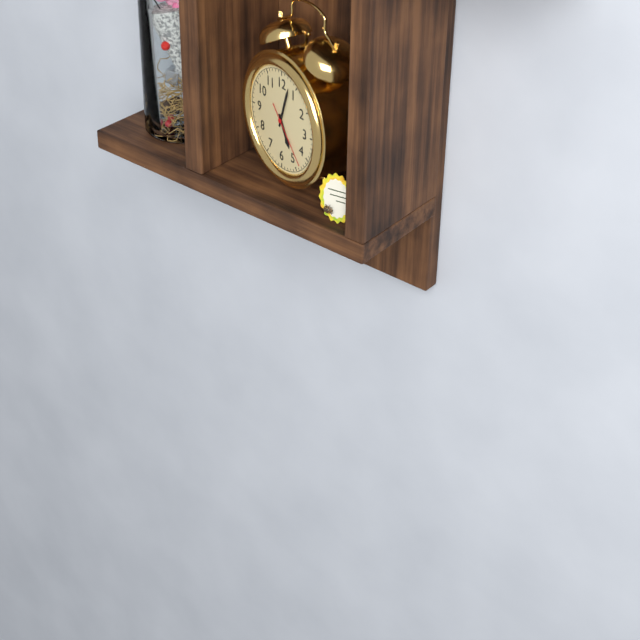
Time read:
5 h 03 min 23 s
